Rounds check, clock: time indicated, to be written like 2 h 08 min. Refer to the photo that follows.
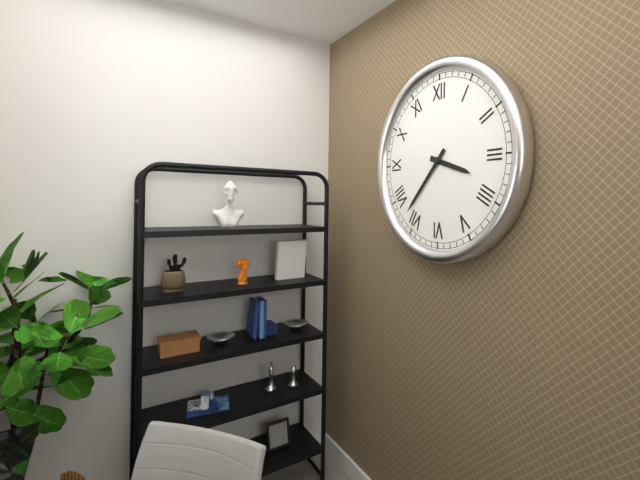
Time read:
3 h 37 min
